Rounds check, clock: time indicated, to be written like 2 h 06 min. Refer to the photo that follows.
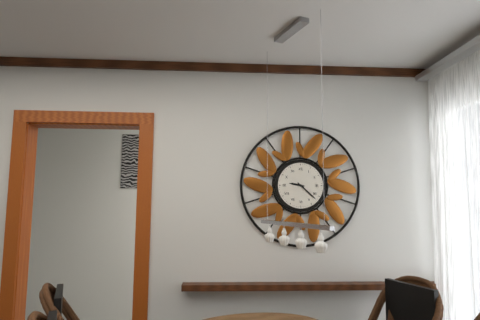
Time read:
9 h 22 min
